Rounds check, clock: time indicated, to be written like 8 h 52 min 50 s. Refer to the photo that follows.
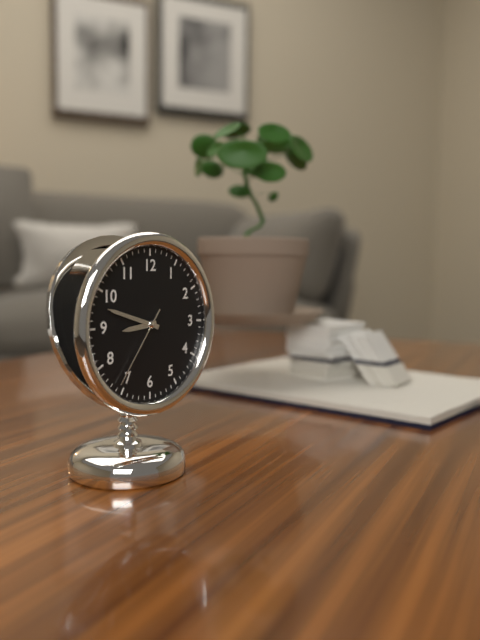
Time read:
8 h 48 min 36 s
